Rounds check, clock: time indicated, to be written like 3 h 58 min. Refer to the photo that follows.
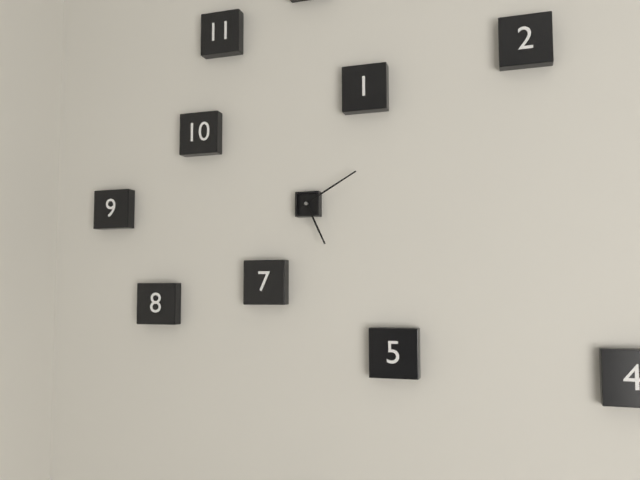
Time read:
5 h 10 min
